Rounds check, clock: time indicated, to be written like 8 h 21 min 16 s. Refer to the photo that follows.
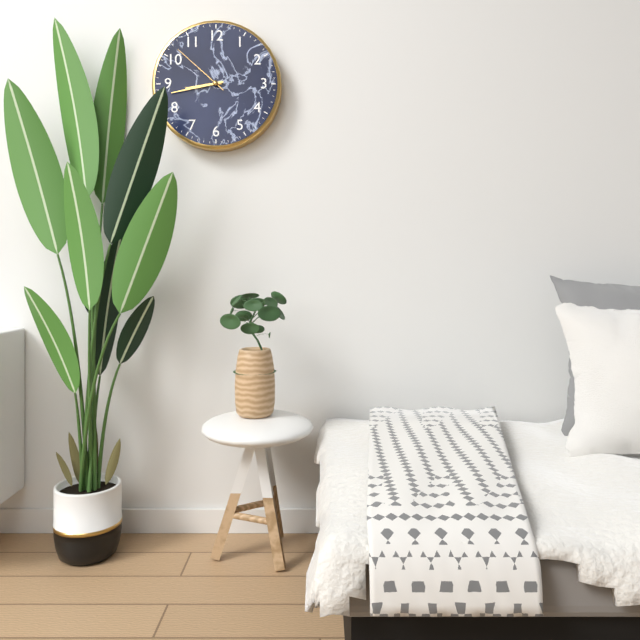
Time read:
8 h 43 min 52 s
